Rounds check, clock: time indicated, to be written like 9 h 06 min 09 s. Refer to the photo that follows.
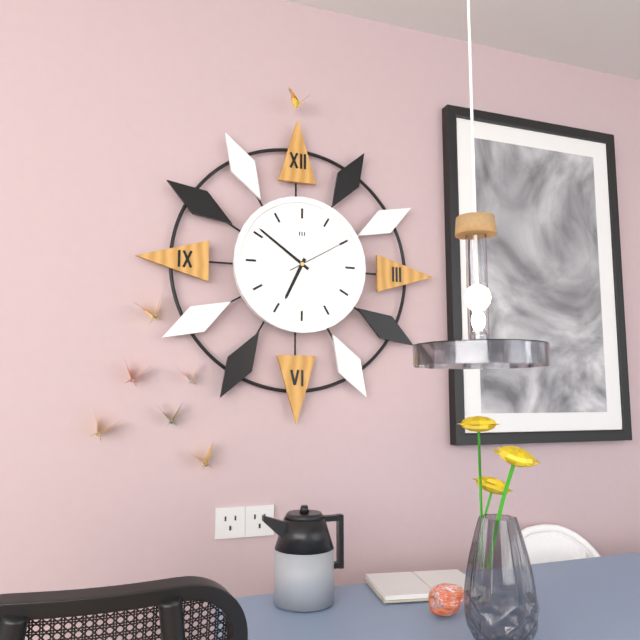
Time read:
6 h 51 min 10 s
